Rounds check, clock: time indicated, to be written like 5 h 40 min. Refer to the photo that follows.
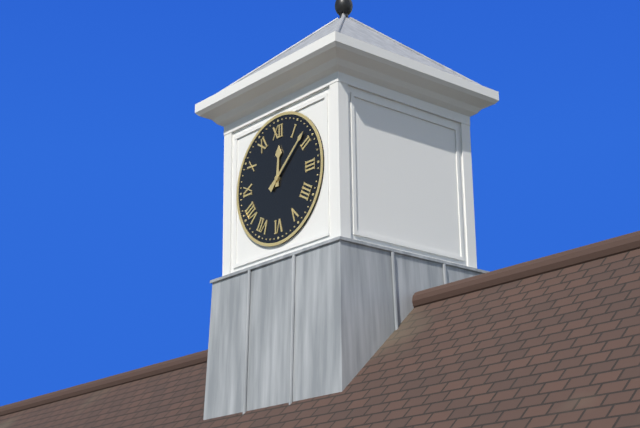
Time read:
12 h 08 min
